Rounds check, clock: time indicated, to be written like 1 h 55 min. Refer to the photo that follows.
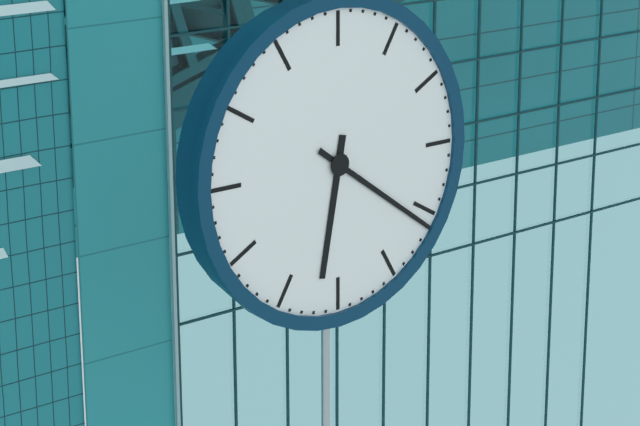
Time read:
6 h 21 min
